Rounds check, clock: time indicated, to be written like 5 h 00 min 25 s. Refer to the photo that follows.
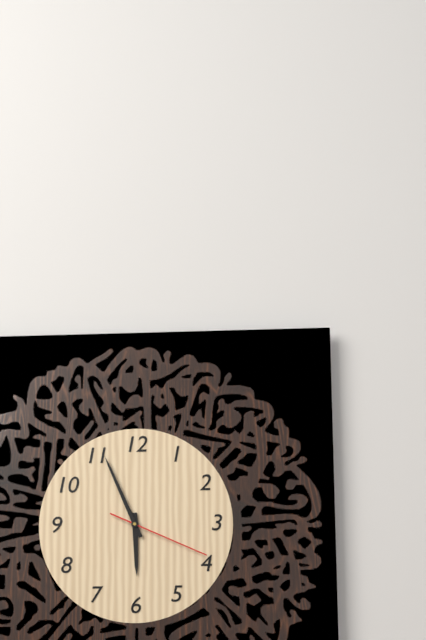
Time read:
5 h 56 min 19 s
